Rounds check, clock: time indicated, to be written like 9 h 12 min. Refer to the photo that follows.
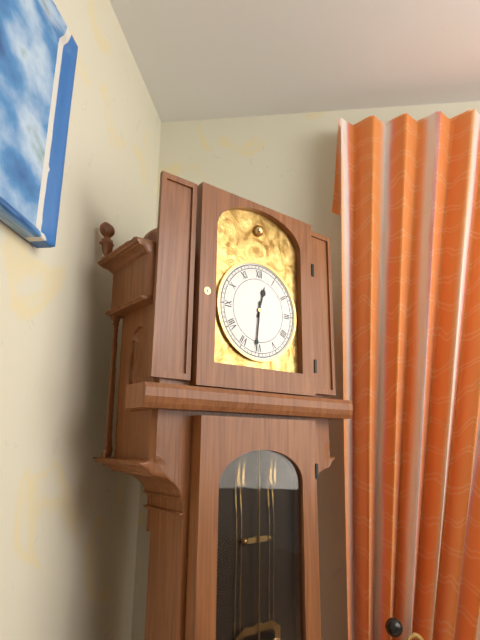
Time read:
12 h 31 min
